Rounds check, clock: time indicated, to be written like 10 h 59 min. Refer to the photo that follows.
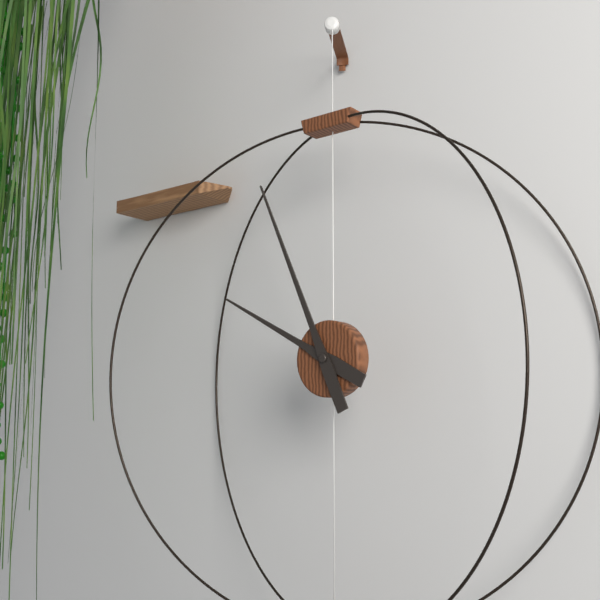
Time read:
9 h 56 min
